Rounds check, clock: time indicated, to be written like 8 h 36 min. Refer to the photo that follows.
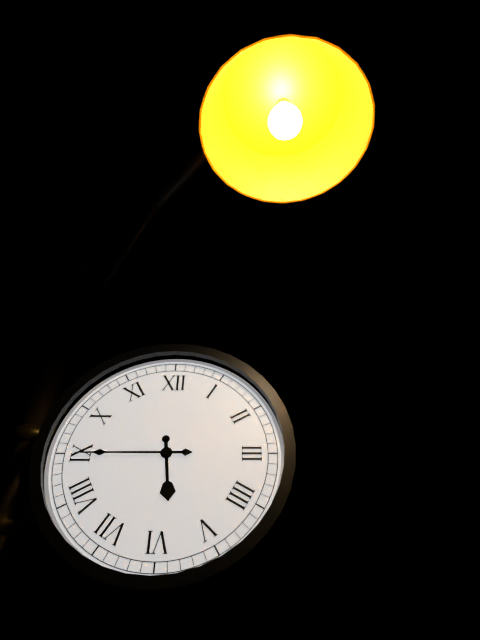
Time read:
5 h 45 min
